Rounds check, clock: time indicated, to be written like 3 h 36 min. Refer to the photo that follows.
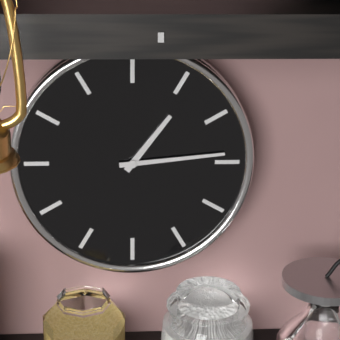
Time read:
1 h 14 min
